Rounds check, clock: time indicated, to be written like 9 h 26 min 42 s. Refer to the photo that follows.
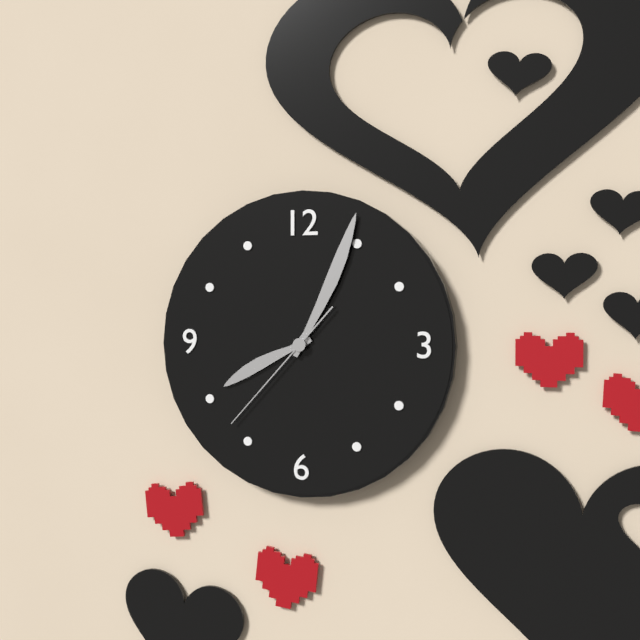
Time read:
8 h 04 min 37 s
